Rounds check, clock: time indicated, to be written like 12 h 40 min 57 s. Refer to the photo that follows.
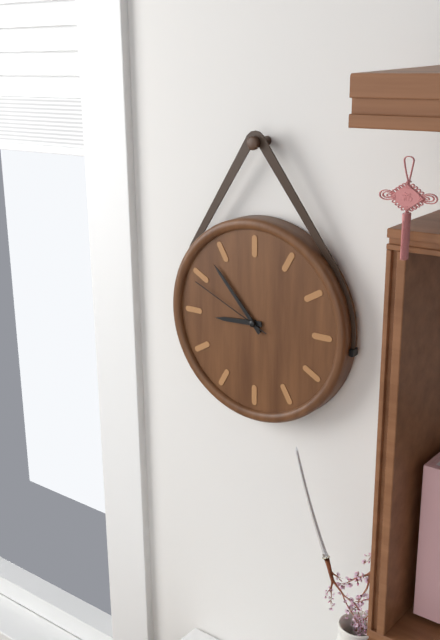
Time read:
8 h 53 min 49 s
